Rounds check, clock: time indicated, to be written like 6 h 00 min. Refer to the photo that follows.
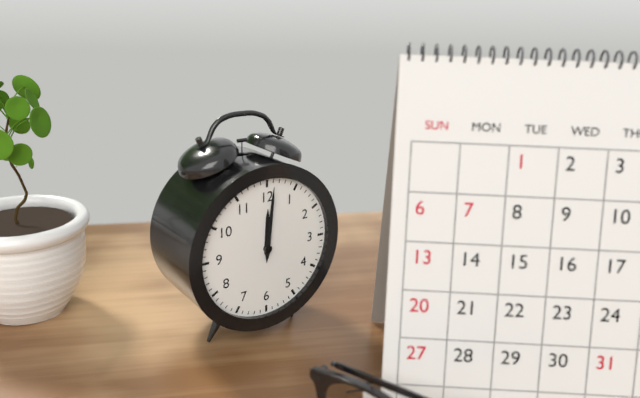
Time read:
12 h 01 min
